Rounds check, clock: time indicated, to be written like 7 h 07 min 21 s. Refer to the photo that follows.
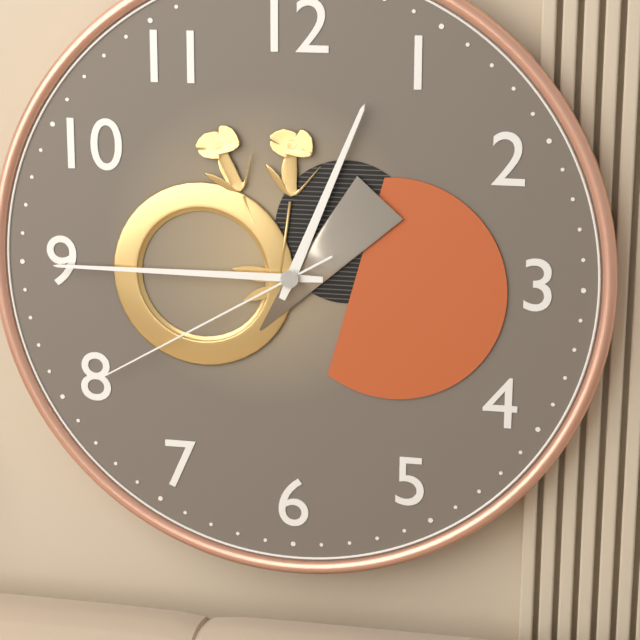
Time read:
12 h 45 min 40 s
